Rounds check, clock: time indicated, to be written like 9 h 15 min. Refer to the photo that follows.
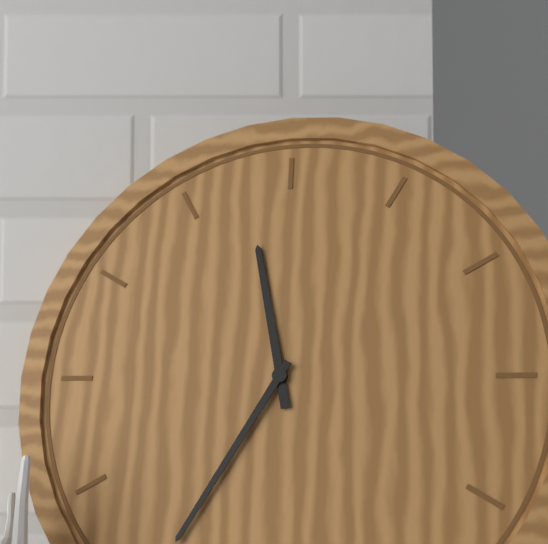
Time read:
11 h 35 min
